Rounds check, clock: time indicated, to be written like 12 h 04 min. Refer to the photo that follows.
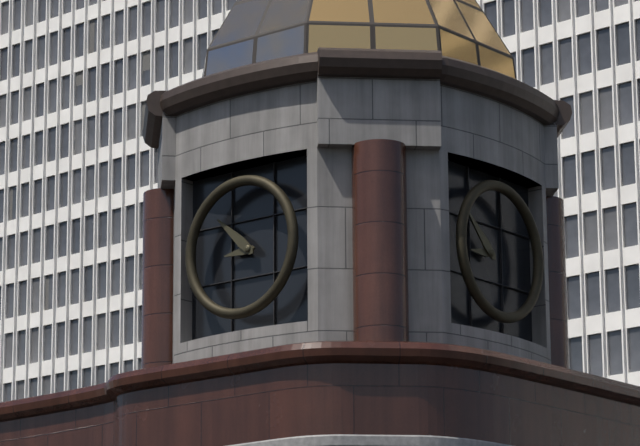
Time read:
8 h 52 min
